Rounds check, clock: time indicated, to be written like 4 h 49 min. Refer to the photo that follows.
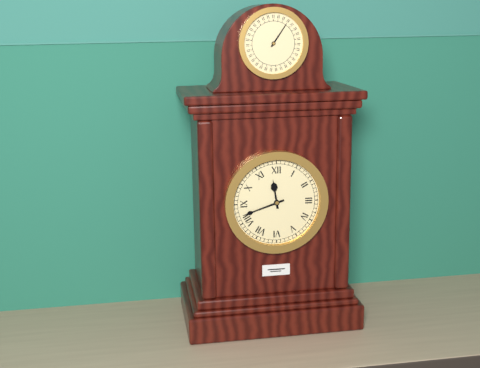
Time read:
11 h 42 min
